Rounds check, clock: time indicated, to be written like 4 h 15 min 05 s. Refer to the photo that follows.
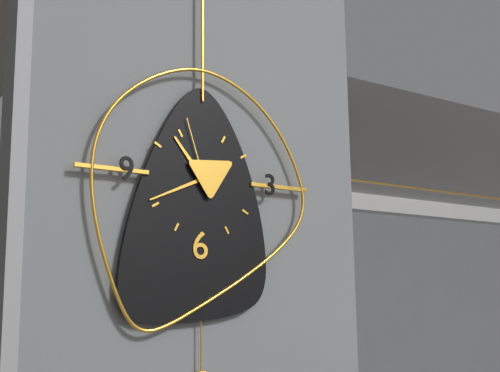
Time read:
10 h 41 min 57 s
